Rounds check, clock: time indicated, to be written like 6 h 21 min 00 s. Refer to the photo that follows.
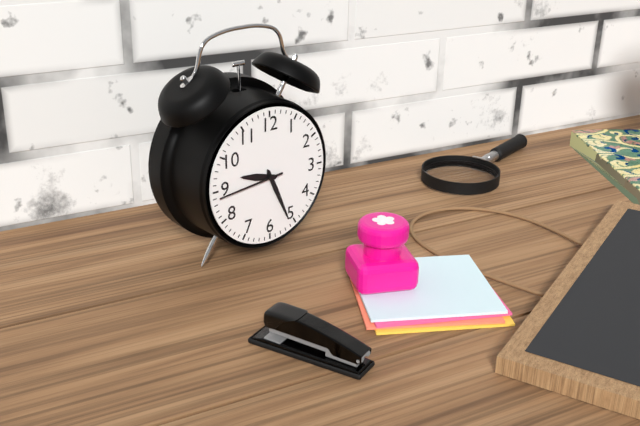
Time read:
9 h 26 min 44 s
